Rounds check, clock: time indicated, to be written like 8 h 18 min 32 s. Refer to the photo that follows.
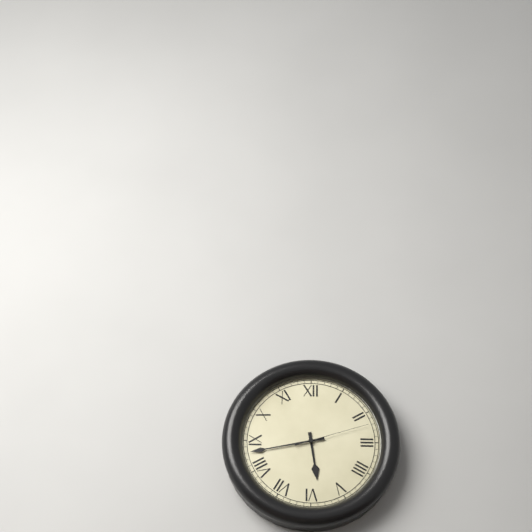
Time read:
5 h 43 min 12 s
